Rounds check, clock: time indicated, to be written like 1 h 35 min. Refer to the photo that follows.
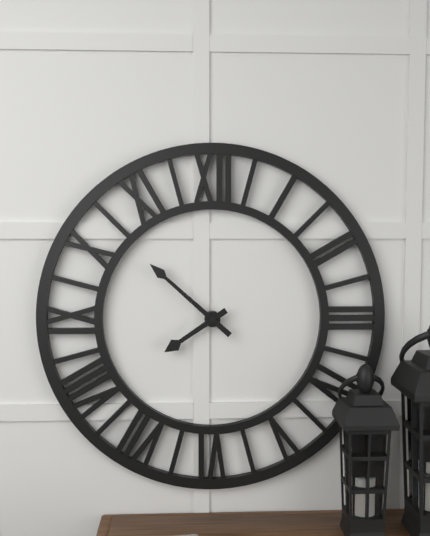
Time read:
7 h 52 min
